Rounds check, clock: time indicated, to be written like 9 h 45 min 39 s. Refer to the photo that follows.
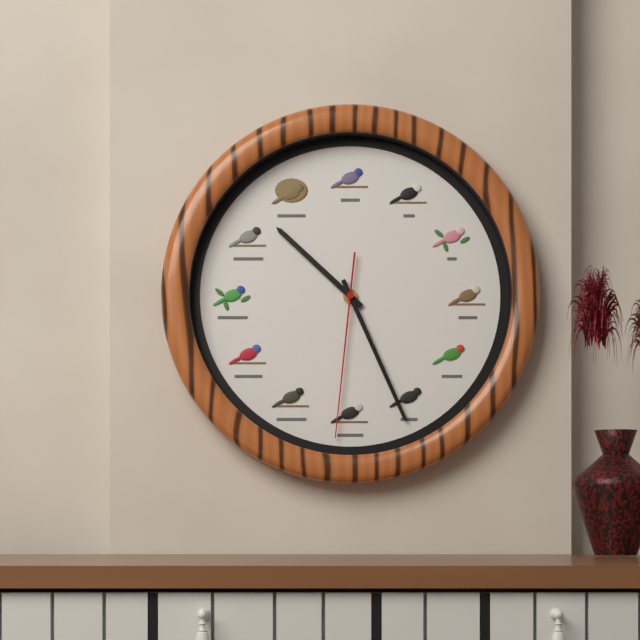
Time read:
10 h 26 min 31 s
